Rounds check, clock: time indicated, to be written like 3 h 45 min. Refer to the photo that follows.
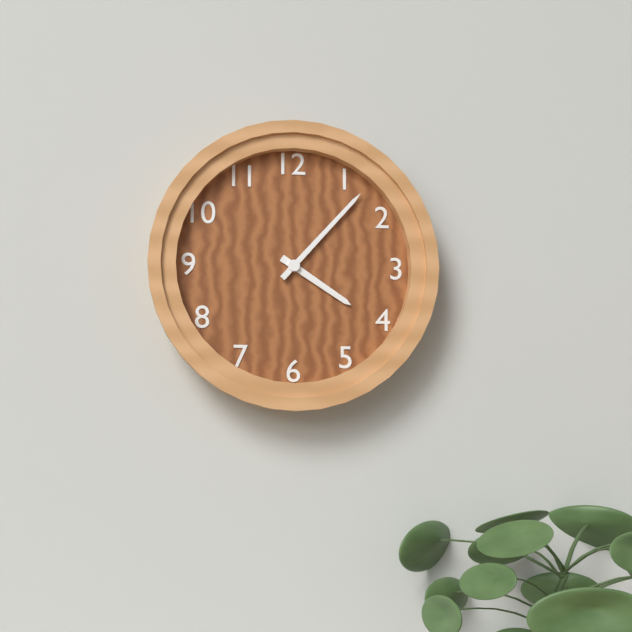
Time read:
4 h 07 min
